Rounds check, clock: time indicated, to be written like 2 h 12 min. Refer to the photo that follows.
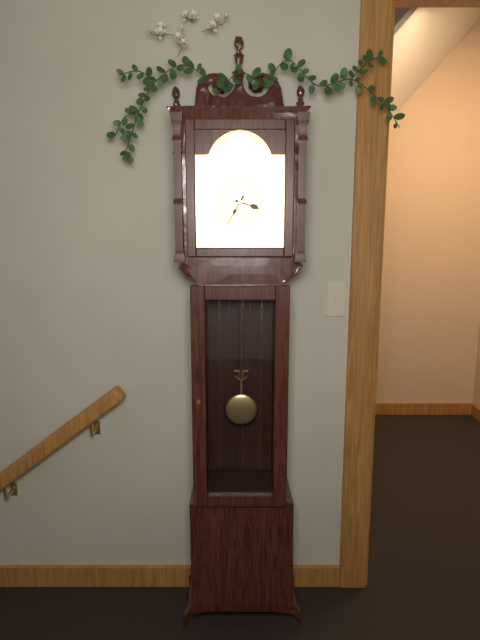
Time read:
3 h 35 min
